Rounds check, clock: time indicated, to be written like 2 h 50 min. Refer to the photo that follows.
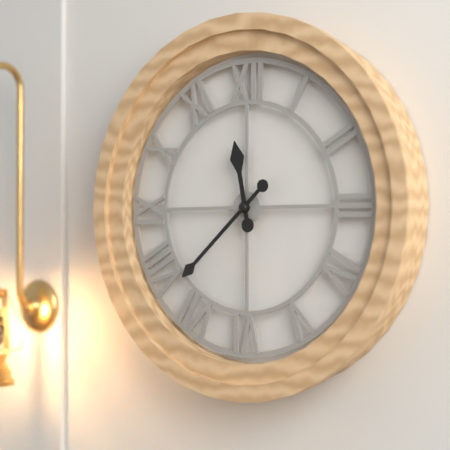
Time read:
11 h 38 min
